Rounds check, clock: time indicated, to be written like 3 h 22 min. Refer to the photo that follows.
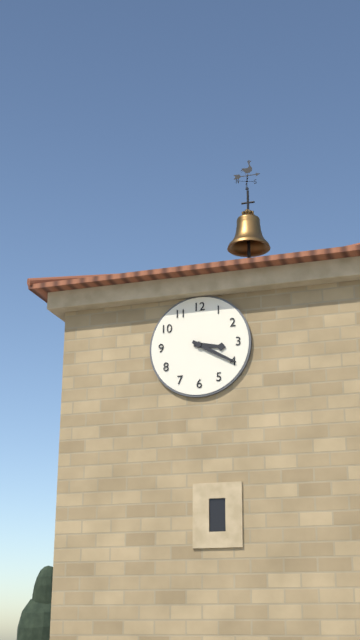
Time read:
3 h 20 min
